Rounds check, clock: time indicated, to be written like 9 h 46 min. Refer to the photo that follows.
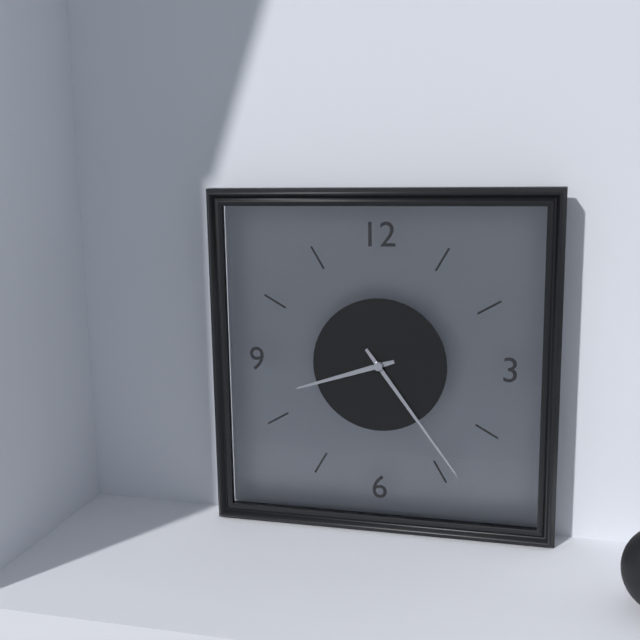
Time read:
8 h 24 min
